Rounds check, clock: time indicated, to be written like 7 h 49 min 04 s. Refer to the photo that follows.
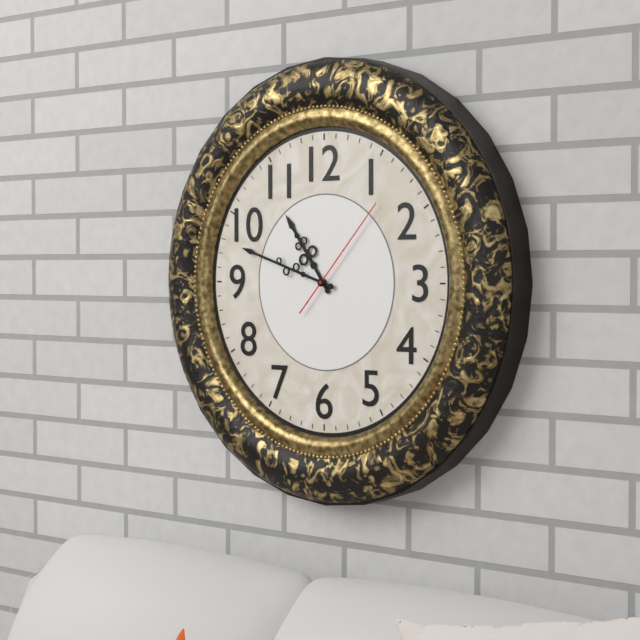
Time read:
10 h 48 min 07 s
